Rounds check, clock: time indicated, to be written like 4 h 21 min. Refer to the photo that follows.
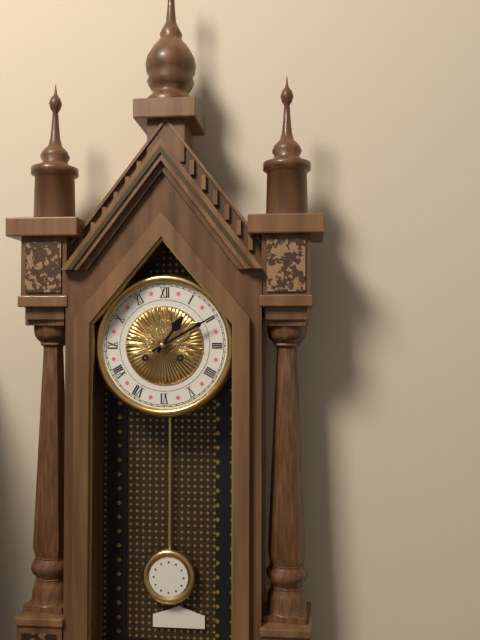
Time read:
1 h 10 min
